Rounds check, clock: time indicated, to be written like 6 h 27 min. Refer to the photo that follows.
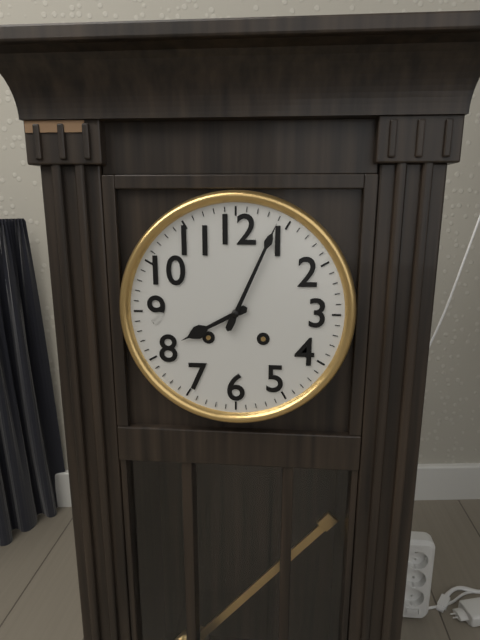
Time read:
8 h 04 min
